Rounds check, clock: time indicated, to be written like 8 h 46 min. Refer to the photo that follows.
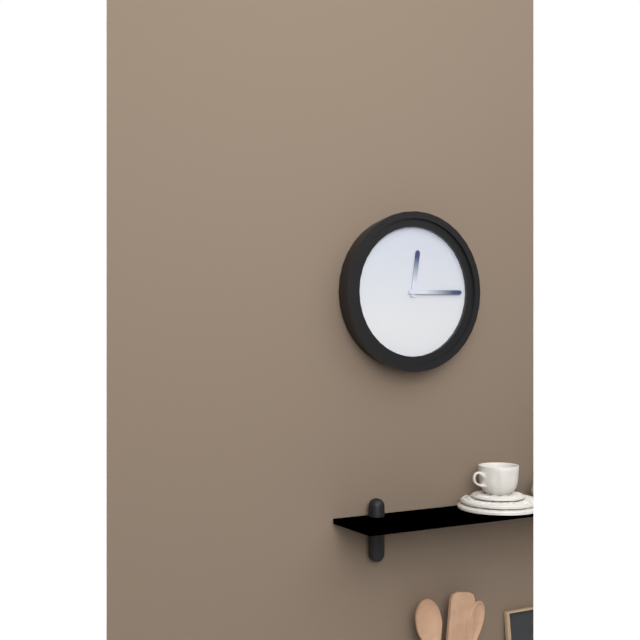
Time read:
12 h 15 min
